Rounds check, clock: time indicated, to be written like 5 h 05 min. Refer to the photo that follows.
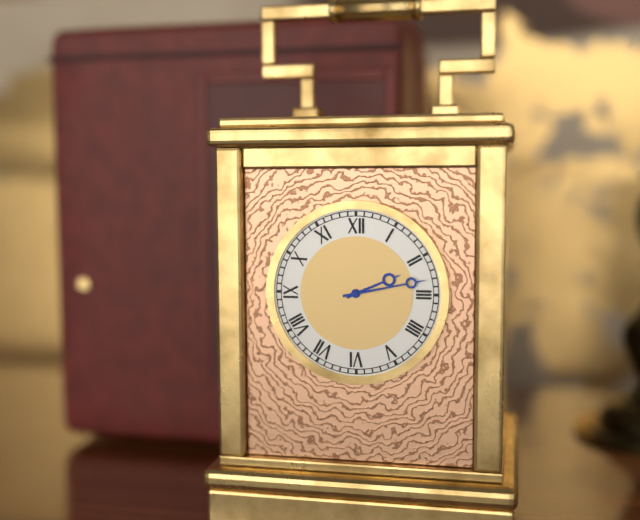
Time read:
2 h 13 min
